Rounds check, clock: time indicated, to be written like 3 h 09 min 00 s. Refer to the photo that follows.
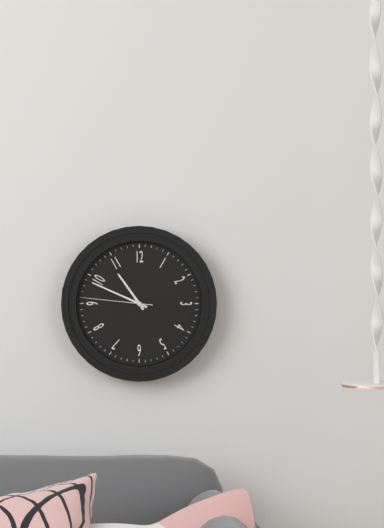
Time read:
10 h 49 min 46 s
